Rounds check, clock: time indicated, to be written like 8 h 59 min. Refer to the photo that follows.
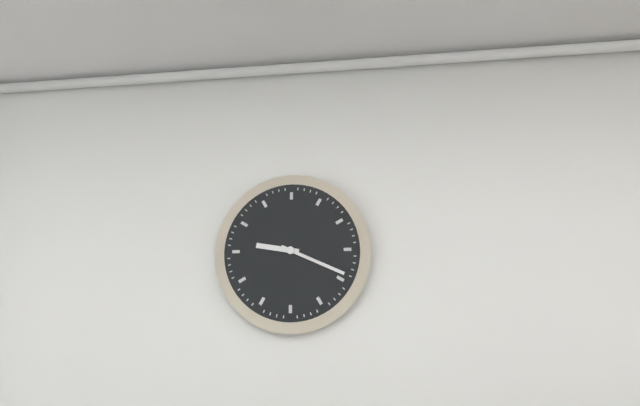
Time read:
9 h 19 min
